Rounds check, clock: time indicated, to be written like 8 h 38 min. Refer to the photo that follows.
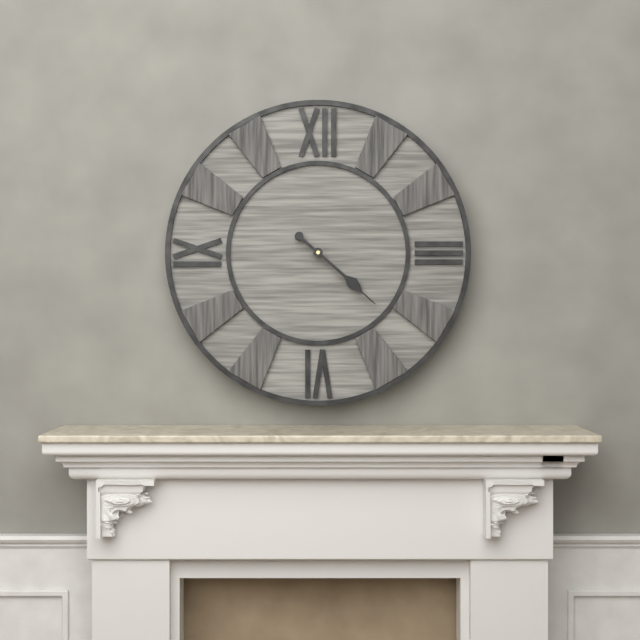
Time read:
4 h 22 min
